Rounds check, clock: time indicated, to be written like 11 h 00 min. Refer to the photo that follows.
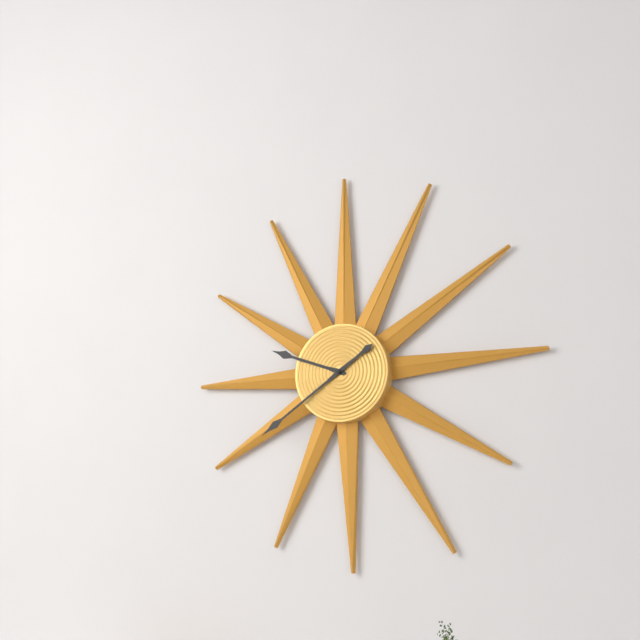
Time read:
9 h 39 min
